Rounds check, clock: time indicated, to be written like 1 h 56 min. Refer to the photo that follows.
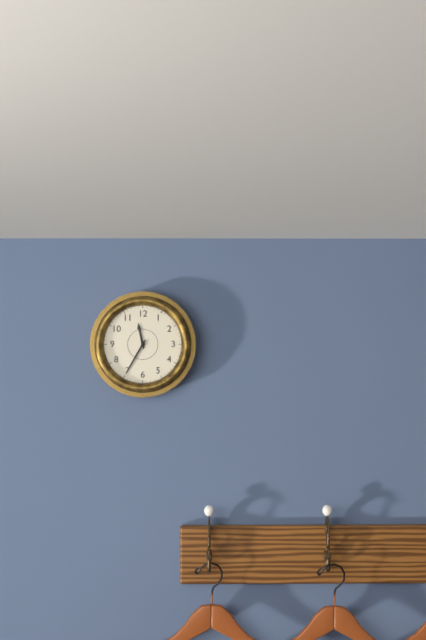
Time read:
11 h 35 min
